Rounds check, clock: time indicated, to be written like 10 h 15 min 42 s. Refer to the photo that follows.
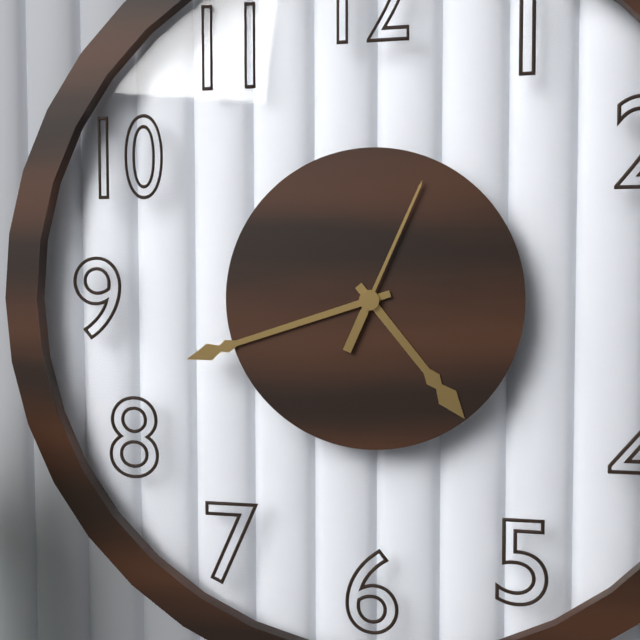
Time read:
4 h 42 min 04 s
